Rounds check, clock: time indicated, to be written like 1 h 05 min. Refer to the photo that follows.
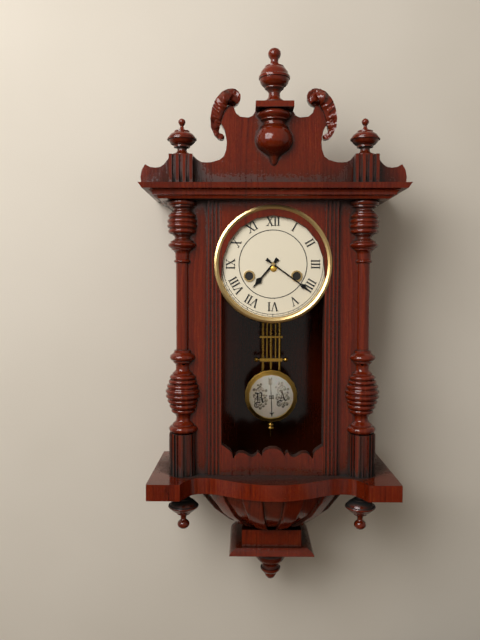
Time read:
7 h 21 min
